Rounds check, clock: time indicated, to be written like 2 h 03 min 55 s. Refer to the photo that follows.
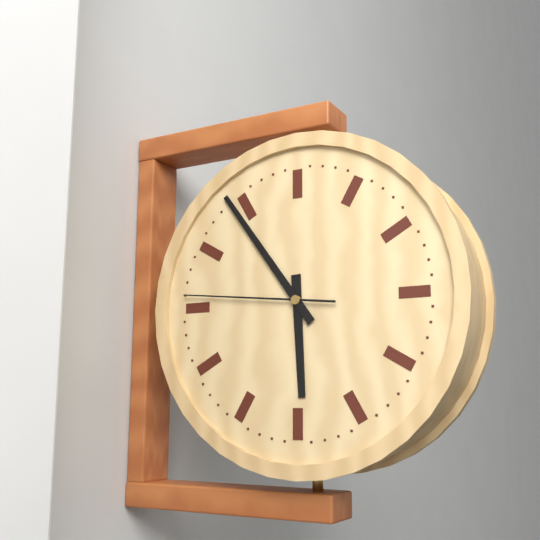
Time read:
5 h 54 min 46 s
